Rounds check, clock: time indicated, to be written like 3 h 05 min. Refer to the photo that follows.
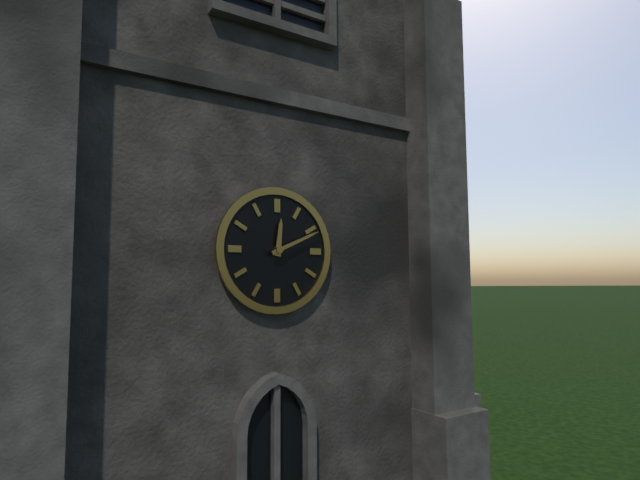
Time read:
12 h 11 min
